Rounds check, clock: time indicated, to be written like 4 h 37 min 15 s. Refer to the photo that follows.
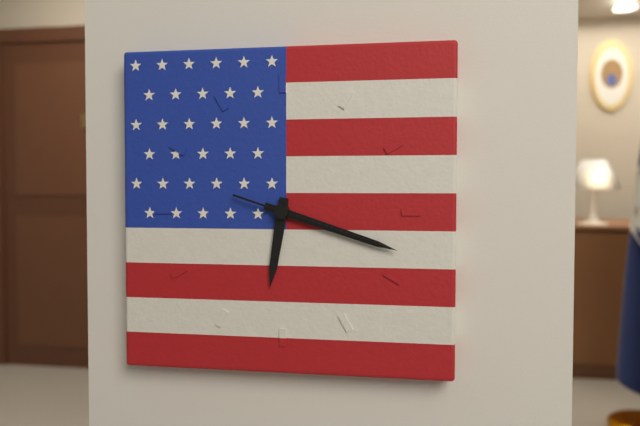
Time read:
6 h 18 min 18 s
